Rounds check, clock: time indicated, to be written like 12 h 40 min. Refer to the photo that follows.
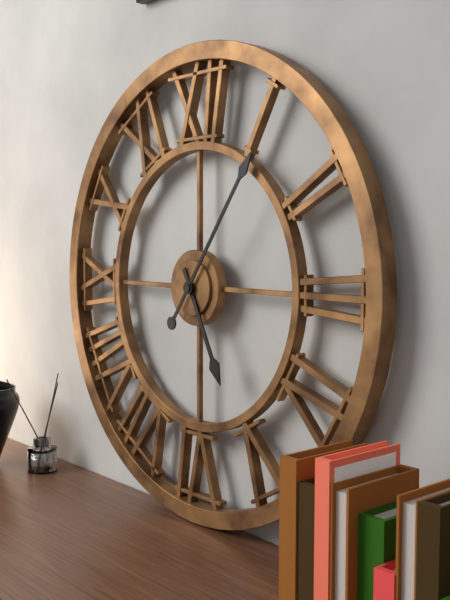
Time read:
5 h 06 min
